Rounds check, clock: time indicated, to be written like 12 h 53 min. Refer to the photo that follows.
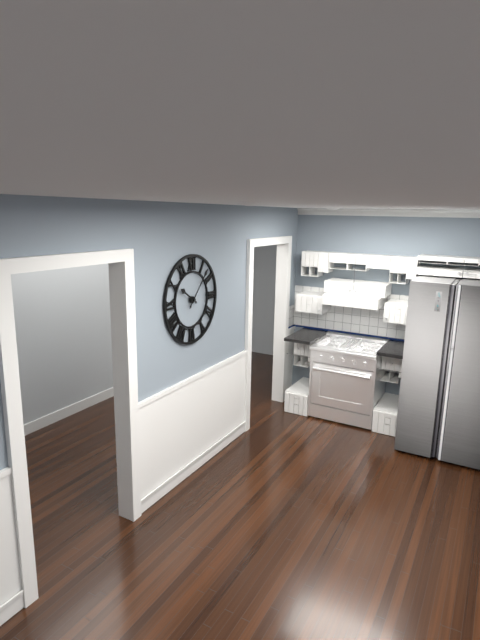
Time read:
10 h 07 min
